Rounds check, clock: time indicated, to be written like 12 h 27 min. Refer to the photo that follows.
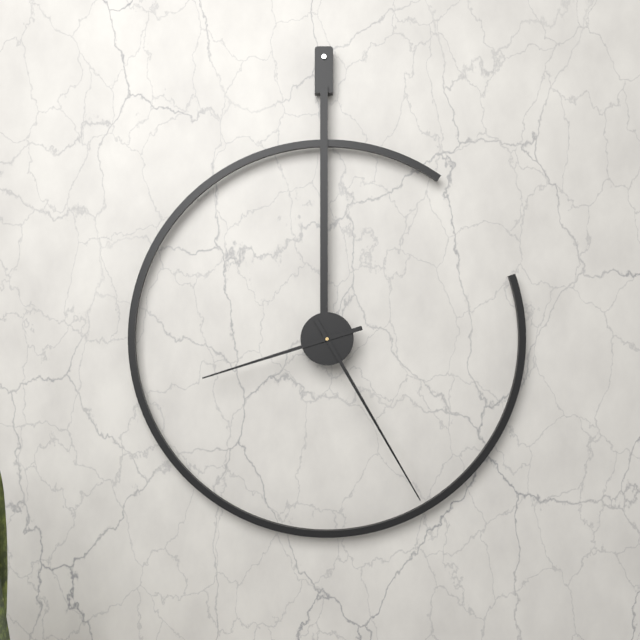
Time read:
8 h 25 min
